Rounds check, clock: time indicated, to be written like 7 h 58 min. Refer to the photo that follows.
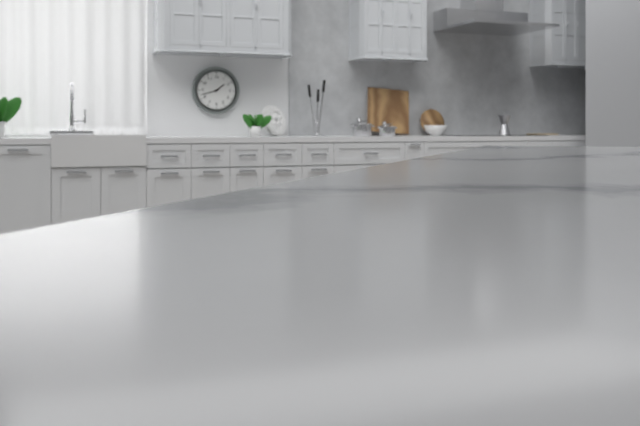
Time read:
1 h 42 min
